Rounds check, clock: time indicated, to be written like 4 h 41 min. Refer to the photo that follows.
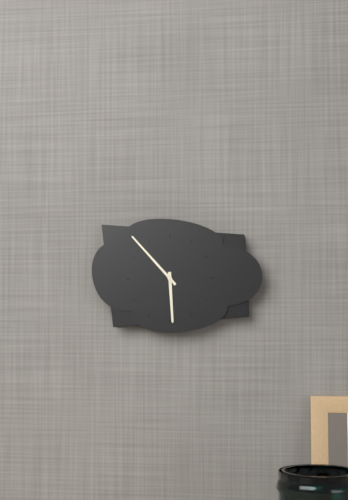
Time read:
5 h 53 min
